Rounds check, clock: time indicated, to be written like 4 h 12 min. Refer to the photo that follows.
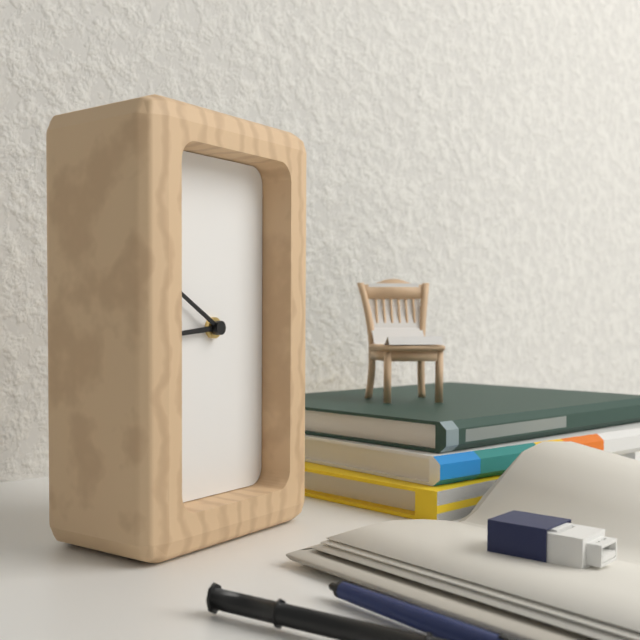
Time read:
8 h 50 min
